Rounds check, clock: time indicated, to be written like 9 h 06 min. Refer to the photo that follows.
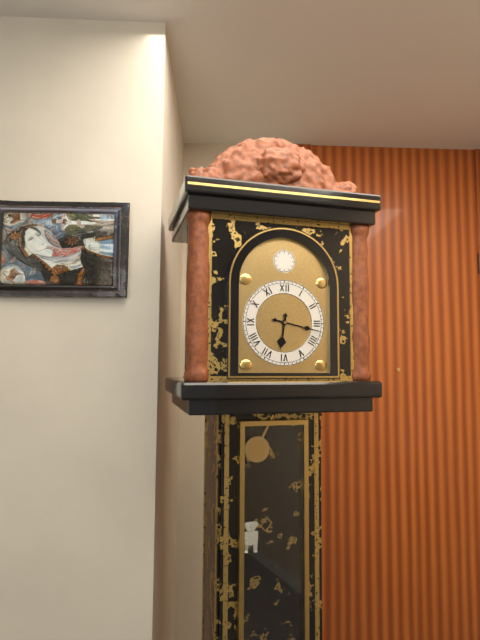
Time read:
6 h 17 min
